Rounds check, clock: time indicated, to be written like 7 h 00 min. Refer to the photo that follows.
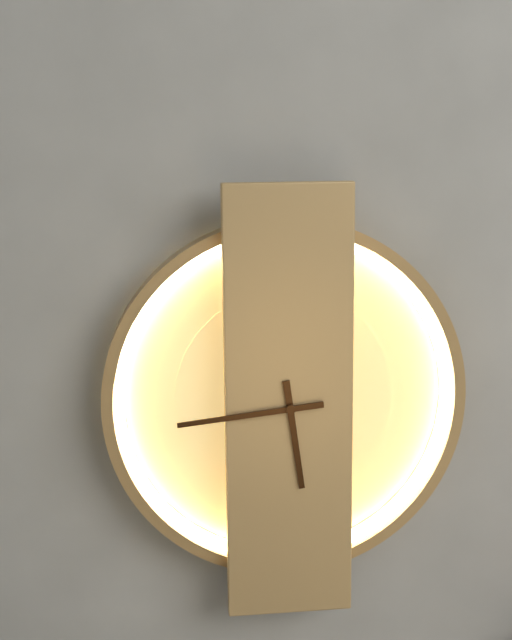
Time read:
5 h 44 min
